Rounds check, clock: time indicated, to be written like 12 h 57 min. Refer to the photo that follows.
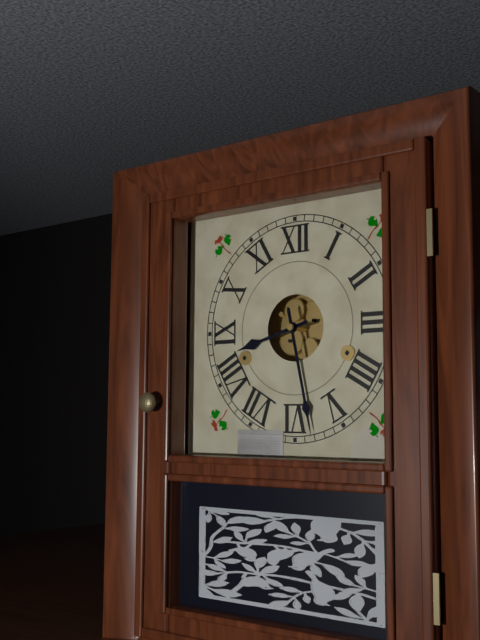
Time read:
8 h 28 min
